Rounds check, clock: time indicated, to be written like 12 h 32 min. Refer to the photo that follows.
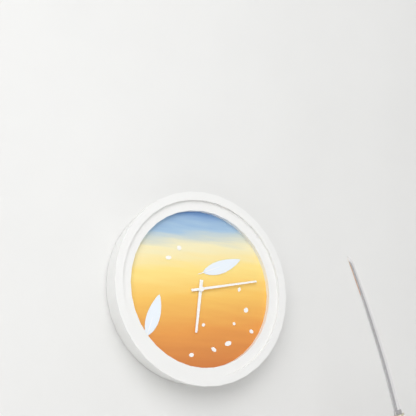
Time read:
6 h 13 min
